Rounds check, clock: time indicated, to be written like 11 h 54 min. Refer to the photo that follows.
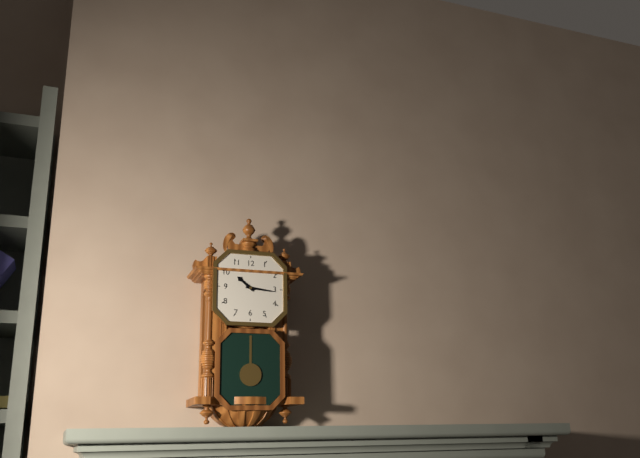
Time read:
10 h 16 min
